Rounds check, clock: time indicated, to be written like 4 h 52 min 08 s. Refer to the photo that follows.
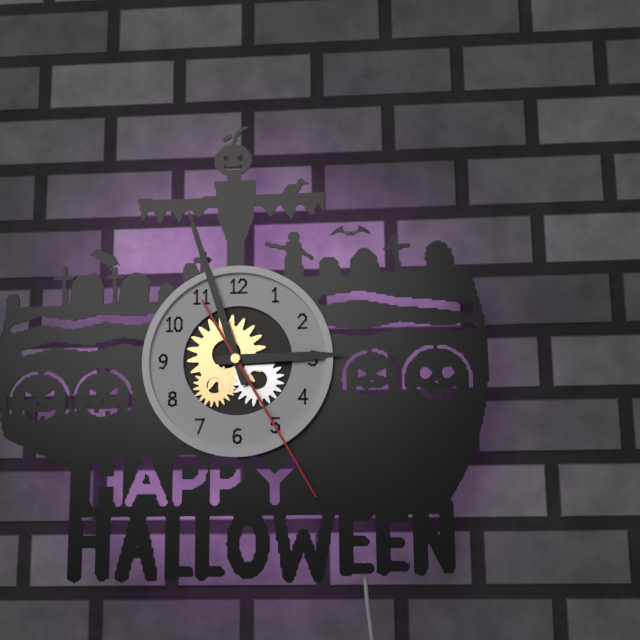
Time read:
2 h 57 min 25 s
